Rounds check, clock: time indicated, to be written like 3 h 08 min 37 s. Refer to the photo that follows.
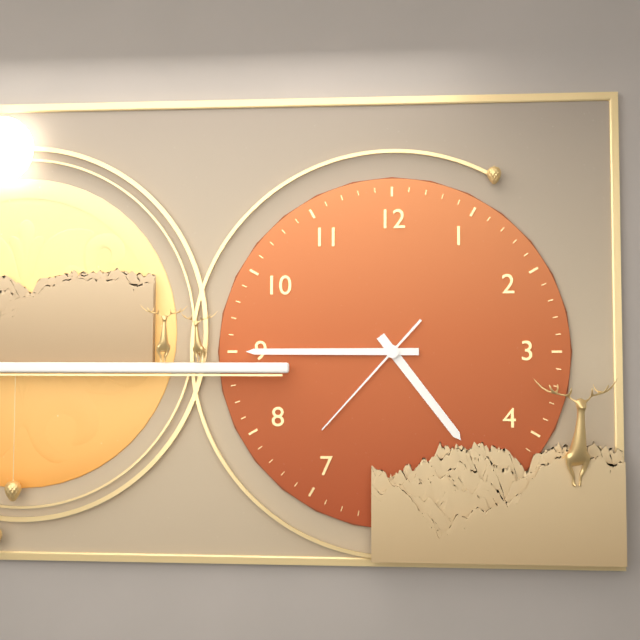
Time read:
4 h 45 min 37 s
